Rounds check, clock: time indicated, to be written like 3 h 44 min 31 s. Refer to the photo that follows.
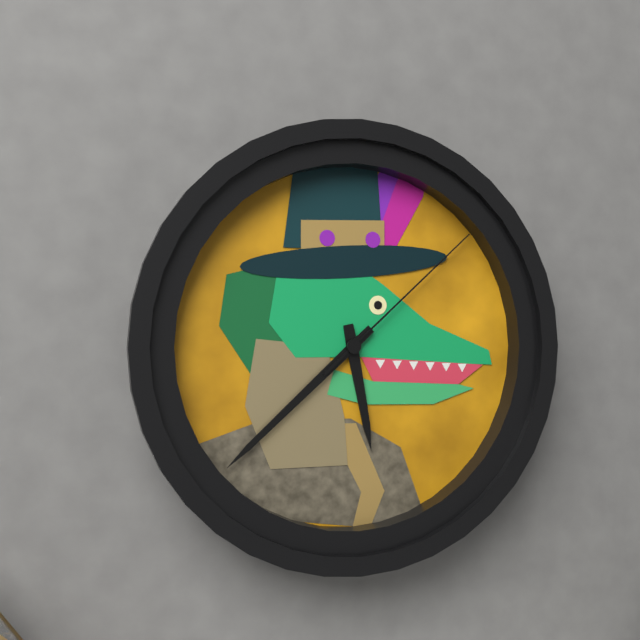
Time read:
5 h 38 min 08 s
